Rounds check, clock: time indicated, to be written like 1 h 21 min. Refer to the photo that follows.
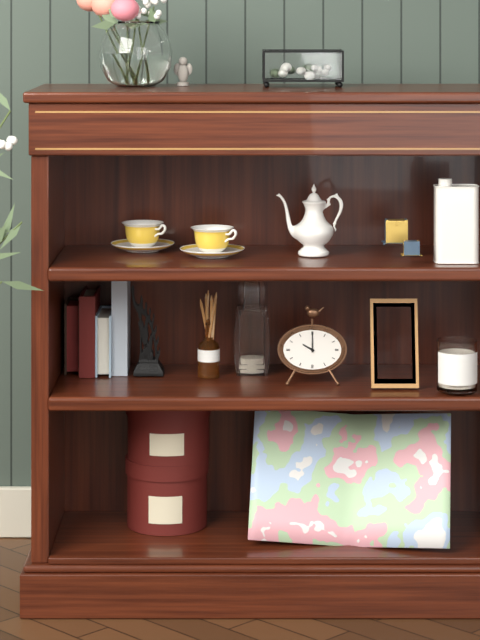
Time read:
10 h 00 min
